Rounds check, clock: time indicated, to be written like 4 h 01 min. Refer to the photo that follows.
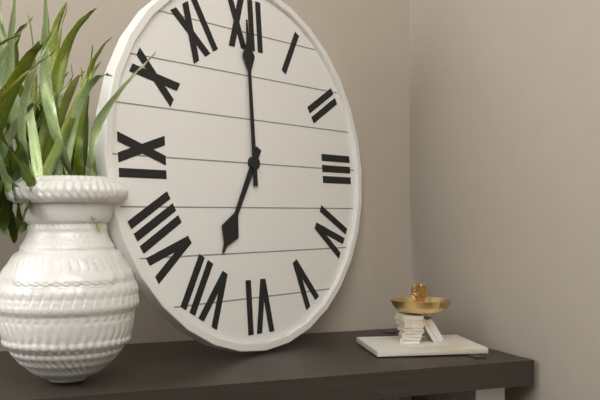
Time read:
7 h 00 min
